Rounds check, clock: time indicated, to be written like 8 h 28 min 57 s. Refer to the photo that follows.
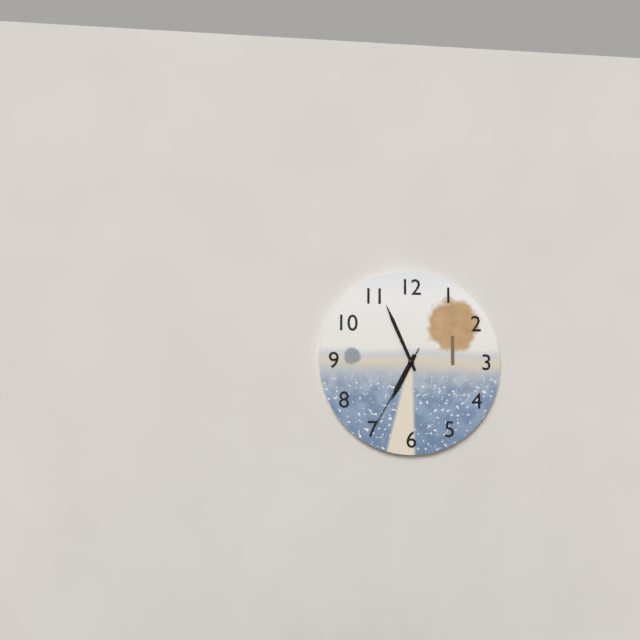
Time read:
6 h 56 min 35 s
